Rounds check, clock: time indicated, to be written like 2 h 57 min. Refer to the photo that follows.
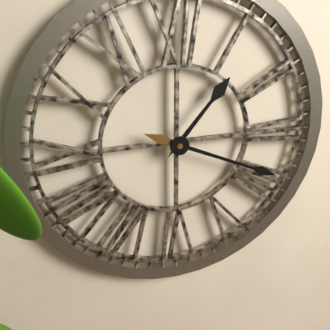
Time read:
1 h 19 min
